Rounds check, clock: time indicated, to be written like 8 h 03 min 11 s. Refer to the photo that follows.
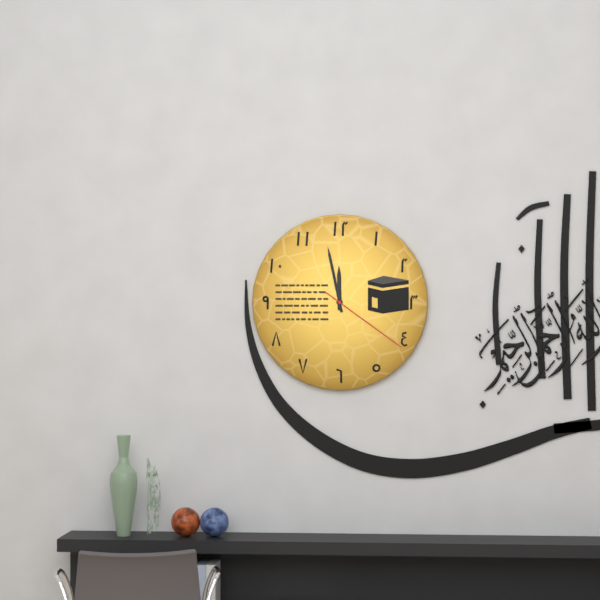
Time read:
11 h 58 min 21 s
